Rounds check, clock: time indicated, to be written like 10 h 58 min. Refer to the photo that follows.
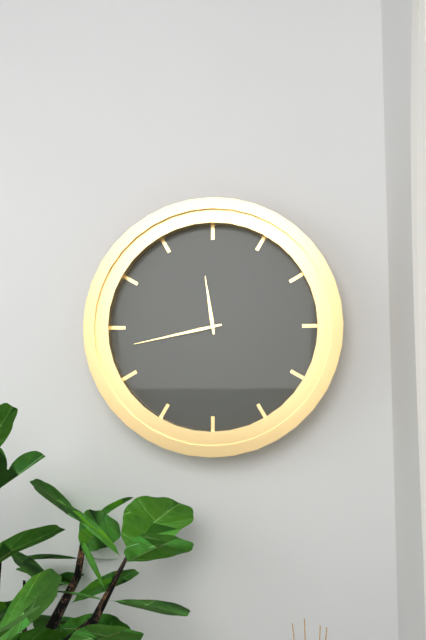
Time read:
11 h 43 min
